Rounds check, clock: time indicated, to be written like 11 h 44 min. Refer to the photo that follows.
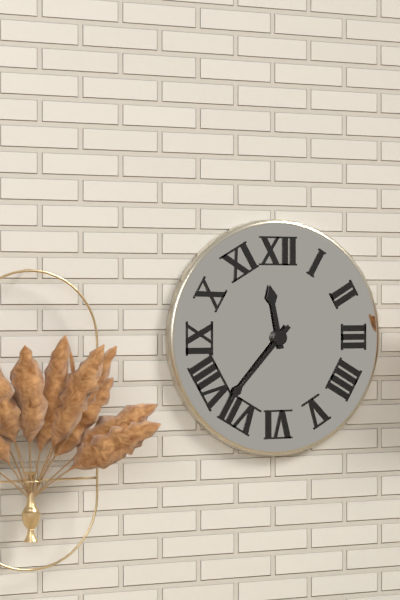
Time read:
11 h 37 min
